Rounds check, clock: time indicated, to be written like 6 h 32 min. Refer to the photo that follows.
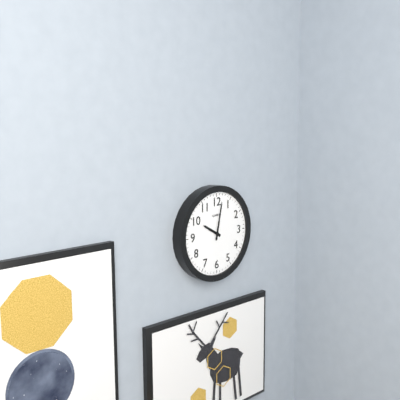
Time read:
10 h 02 min
